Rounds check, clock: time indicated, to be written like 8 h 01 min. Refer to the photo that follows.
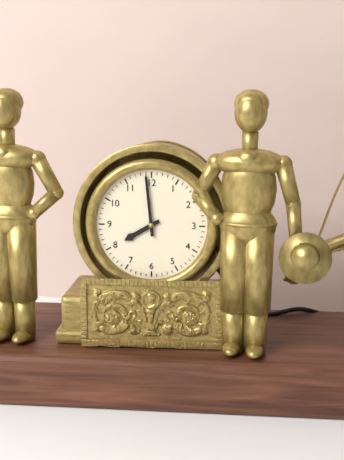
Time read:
7 h 59 min
